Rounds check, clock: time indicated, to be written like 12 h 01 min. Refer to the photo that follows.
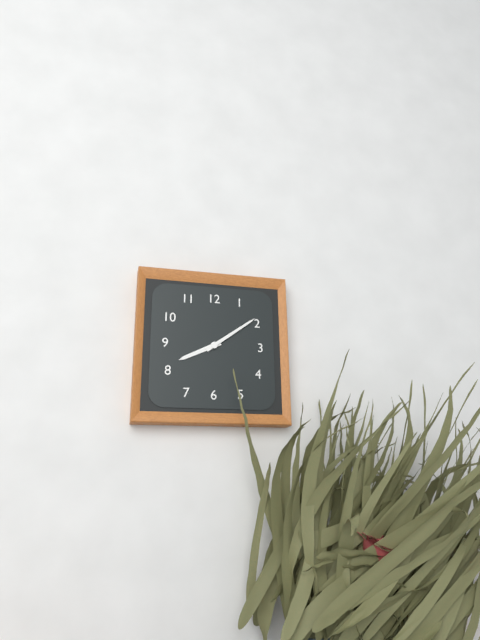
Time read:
8 h 09 min
